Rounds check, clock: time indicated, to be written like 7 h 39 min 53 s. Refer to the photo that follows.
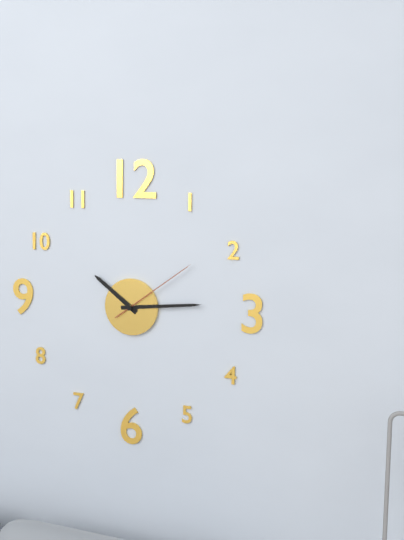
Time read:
10 h 14 min 09 s
